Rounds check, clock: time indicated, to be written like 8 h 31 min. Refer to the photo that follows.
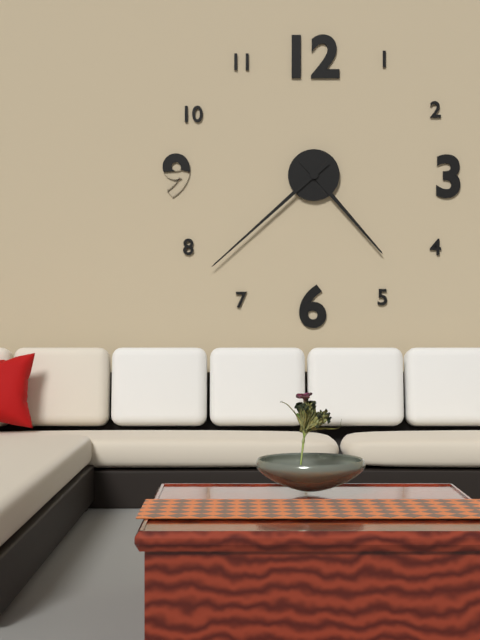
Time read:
4 h 38 min
